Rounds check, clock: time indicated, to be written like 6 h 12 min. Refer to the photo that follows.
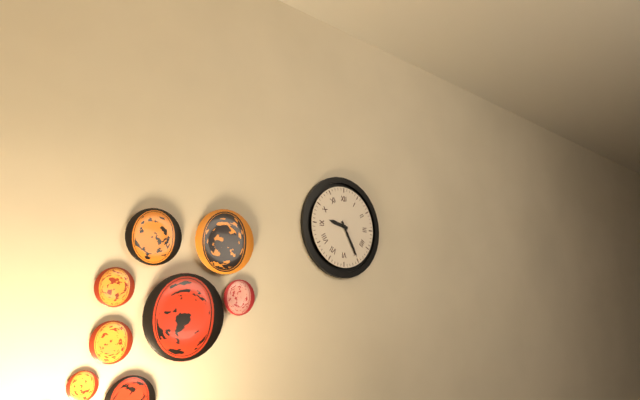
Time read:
9 h 25 min
